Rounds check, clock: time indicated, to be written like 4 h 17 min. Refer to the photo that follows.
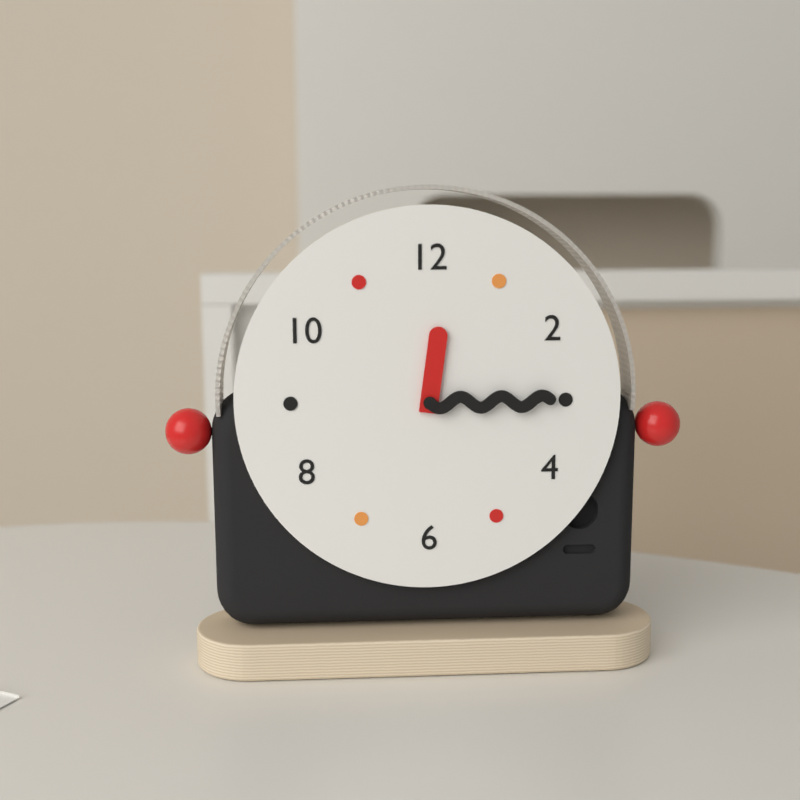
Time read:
12 h 15 min
